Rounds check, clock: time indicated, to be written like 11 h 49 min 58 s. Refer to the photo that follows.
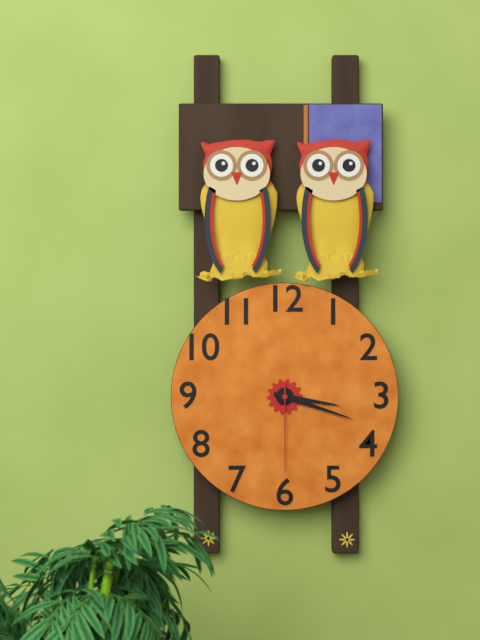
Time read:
3 h 18 min 30 s
